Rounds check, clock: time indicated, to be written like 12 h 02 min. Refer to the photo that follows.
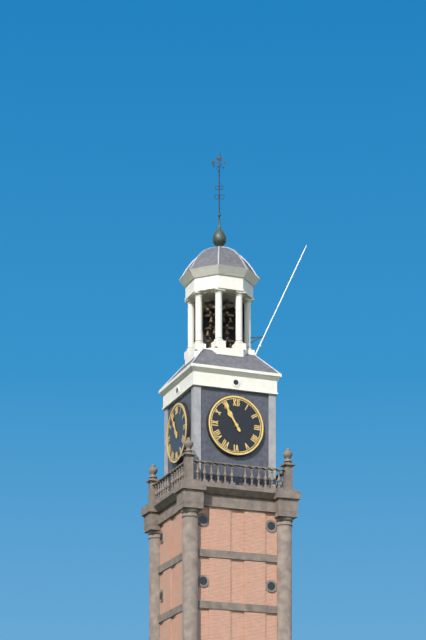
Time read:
10 h 55 min
